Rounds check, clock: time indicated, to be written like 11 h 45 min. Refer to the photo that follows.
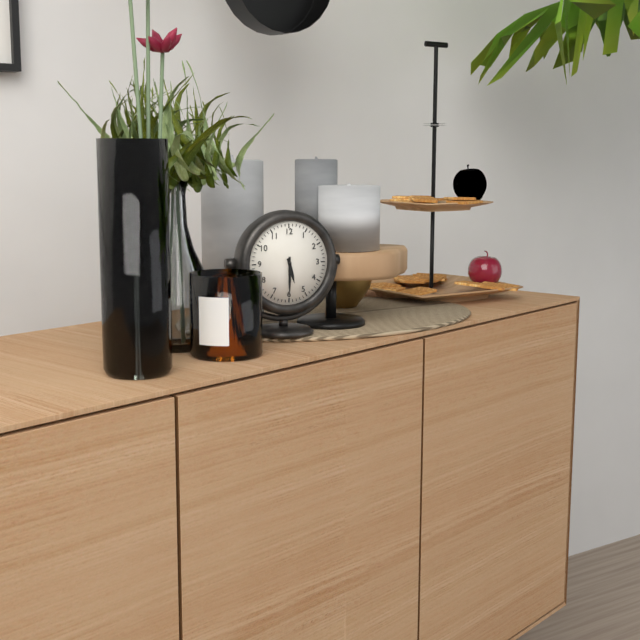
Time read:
5 h 30 min
